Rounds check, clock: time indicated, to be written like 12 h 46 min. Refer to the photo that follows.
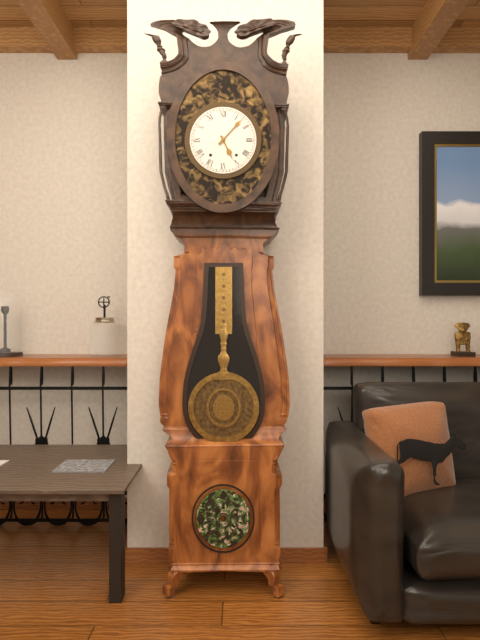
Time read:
5 h 07 min
